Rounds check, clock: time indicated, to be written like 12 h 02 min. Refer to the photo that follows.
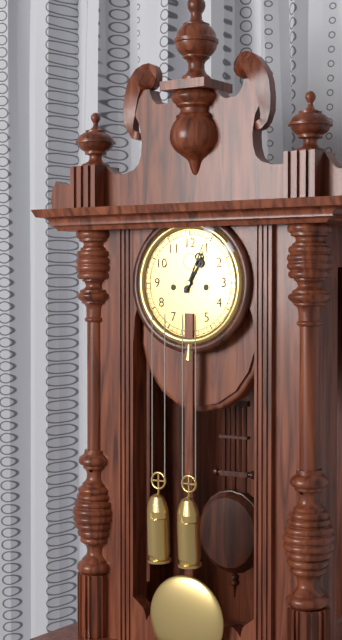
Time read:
1 h 04 min
